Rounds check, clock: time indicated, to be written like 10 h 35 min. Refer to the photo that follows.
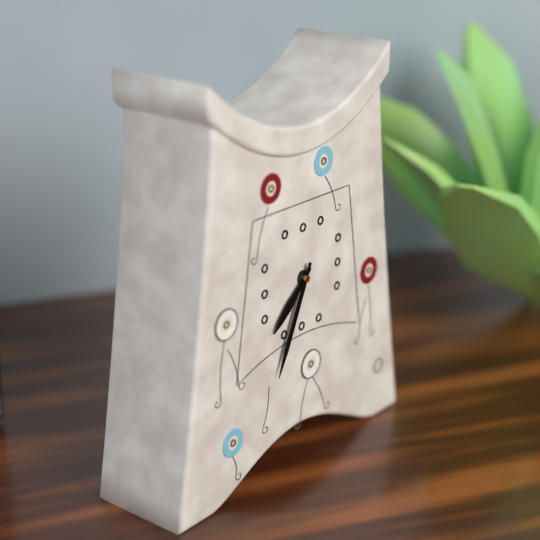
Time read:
7 h 34 min
